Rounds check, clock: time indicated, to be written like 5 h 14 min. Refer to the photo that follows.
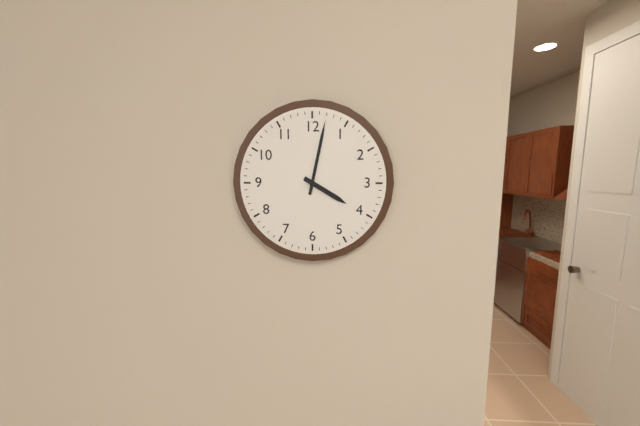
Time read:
4 h 02 min
